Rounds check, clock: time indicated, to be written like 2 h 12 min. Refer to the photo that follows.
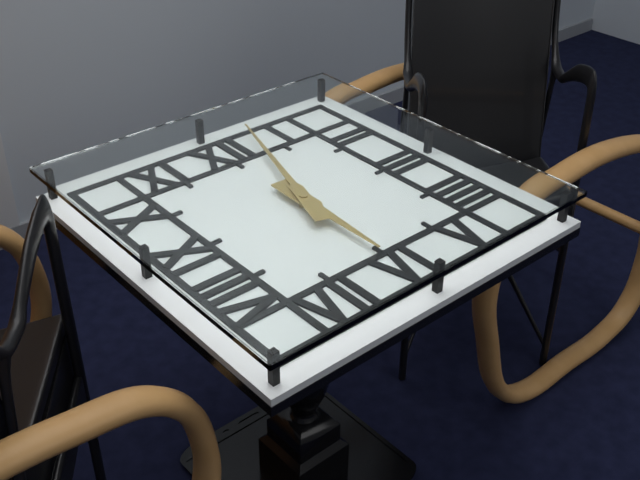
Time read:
6 h 03 min
